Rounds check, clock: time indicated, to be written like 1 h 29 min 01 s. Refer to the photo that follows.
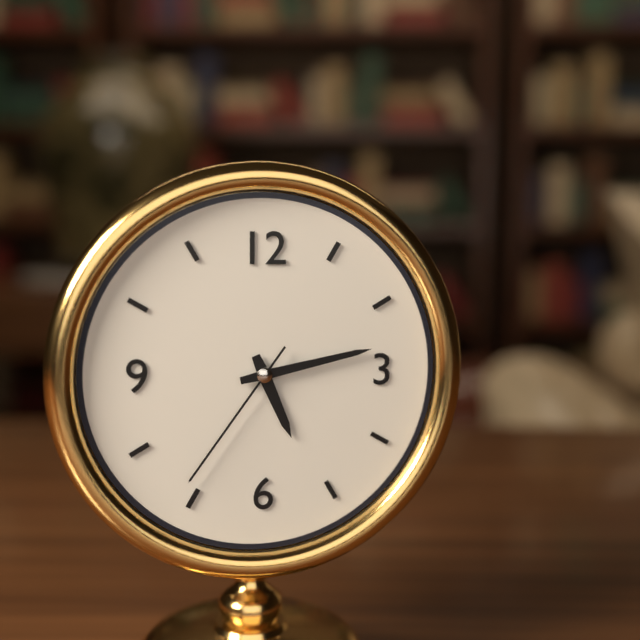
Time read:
5 h 13 min 36 s
